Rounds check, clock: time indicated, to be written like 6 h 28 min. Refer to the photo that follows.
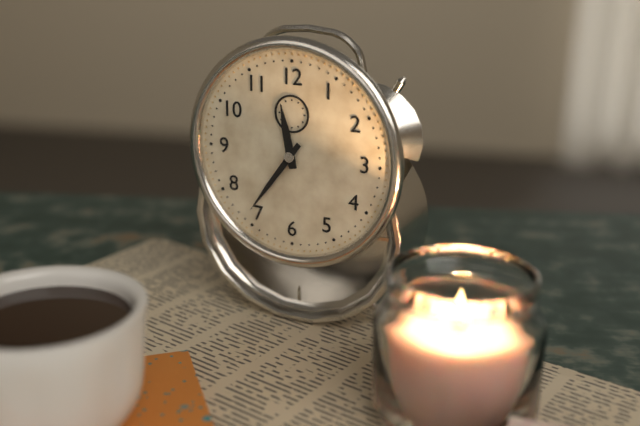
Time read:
11 h 36 min
